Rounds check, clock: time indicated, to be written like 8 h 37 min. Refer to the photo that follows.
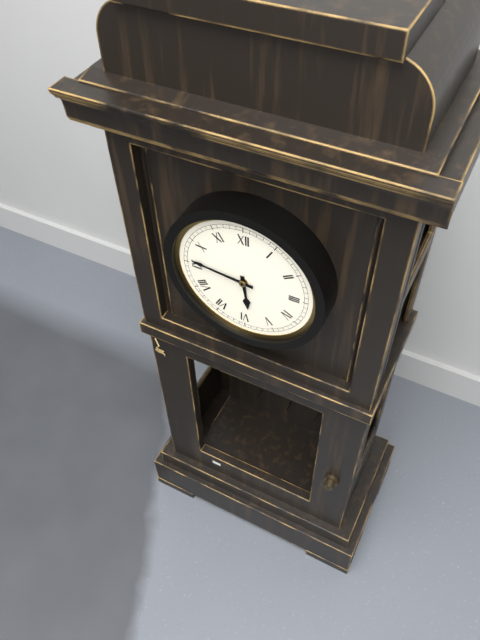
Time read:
5 h 46 min
